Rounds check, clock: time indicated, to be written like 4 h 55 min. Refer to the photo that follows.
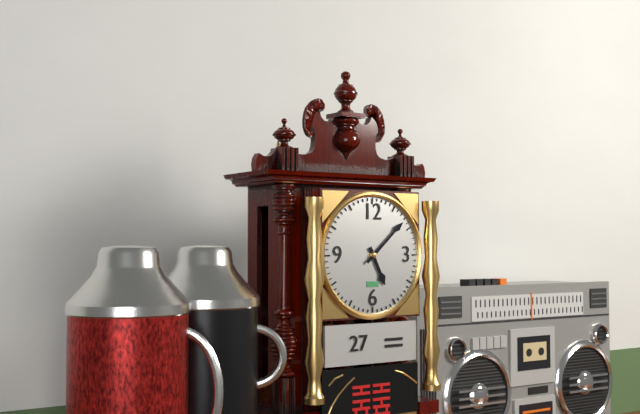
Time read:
5 h 08 min
